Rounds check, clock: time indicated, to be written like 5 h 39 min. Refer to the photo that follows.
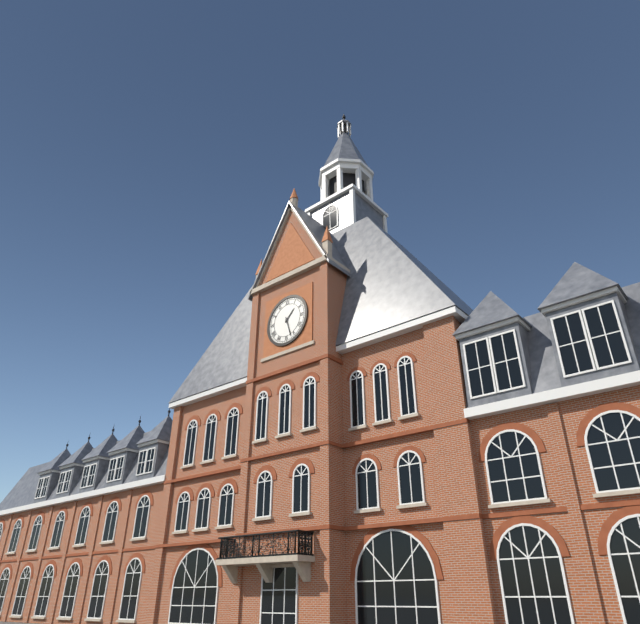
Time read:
1 h 27 min
